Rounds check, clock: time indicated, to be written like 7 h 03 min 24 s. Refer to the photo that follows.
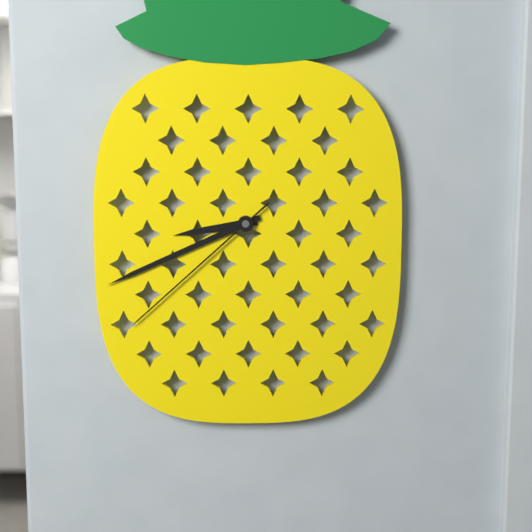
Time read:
8 h 41 min 38 s
